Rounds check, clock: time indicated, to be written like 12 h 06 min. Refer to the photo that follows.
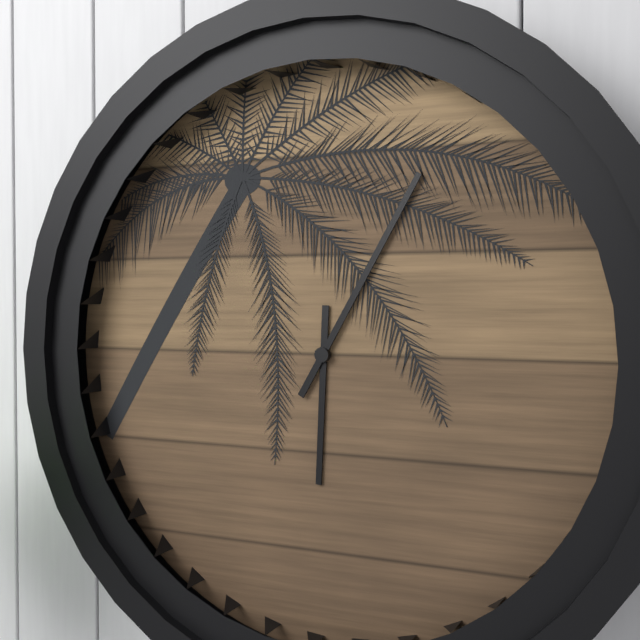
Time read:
6 h 05 min
